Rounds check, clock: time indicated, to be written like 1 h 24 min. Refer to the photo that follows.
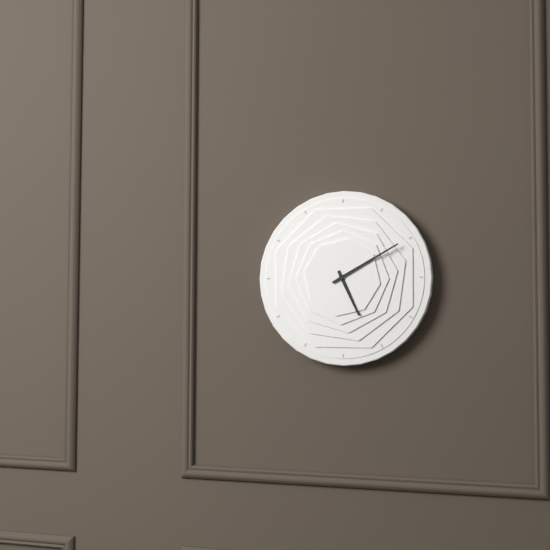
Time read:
5 h 10 min
